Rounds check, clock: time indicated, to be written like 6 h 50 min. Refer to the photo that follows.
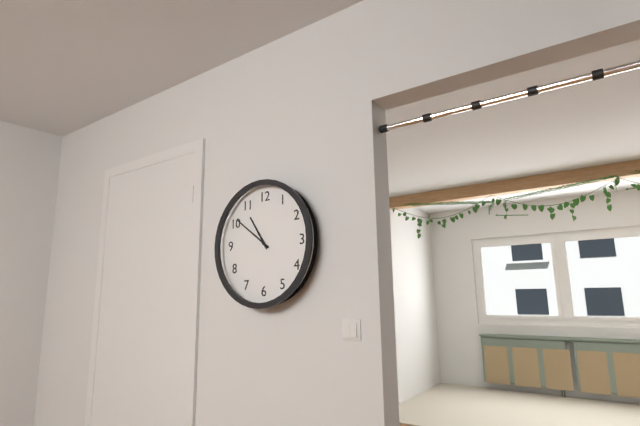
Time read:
10 h 51 min
